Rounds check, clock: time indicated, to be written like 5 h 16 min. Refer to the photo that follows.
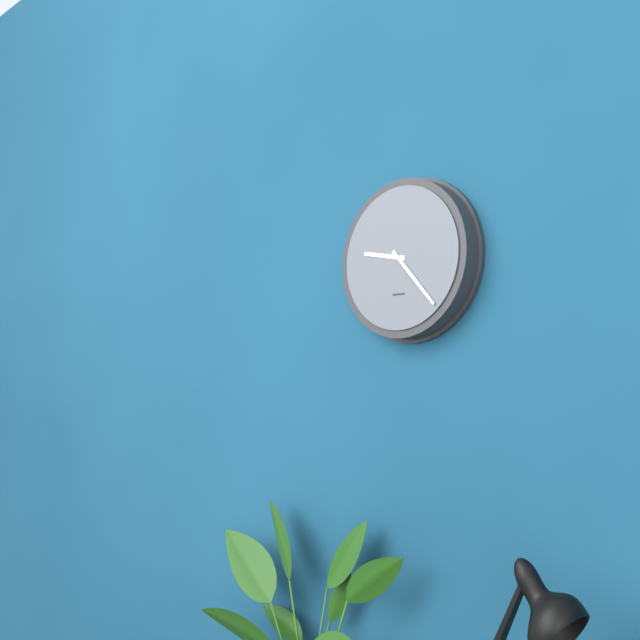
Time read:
9 h 23 min
